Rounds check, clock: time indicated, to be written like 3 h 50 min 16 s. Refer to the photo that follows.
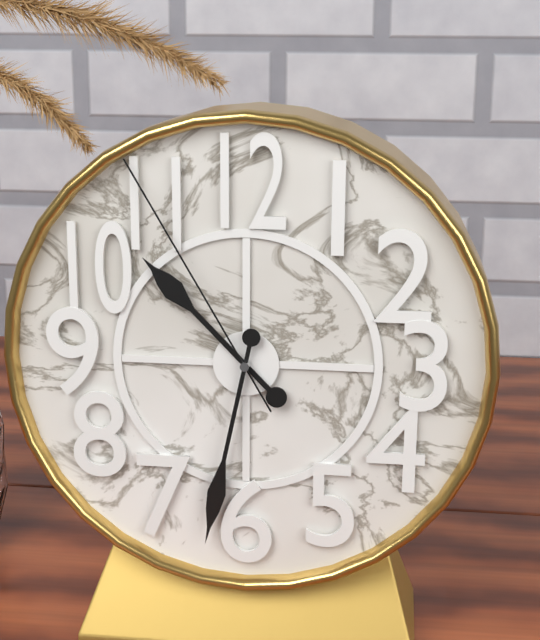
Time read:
10 h 32 min 55 s
